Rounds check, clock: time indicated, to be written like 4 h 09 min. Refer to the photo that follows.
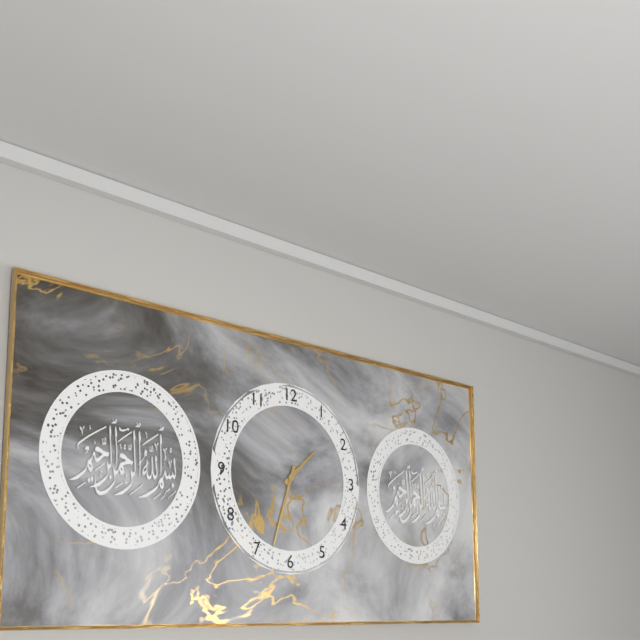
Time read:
1 h 33 min
